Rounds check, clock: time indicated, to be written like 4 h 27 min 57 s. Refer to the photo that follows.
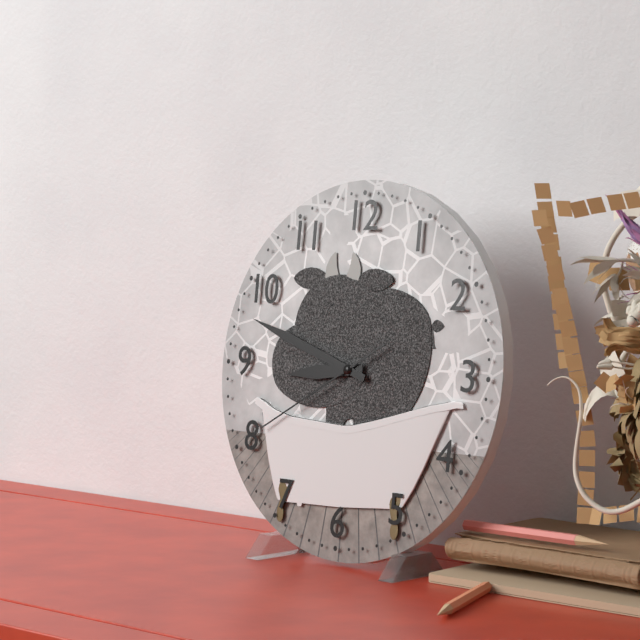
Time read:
8 h 48 min 40 s
